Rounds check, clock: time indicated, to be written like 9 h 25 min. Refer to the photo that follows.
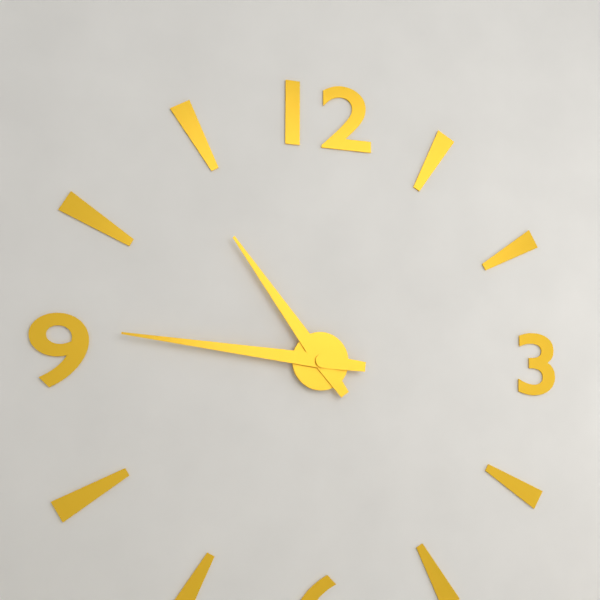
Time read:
10 h 46 min
